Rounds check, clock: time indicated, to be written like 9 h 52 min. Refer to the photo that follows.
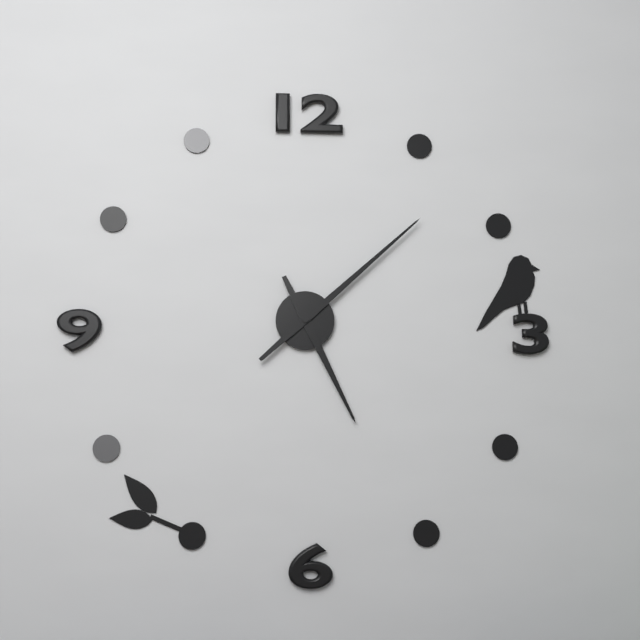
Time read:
5 h 08 min
